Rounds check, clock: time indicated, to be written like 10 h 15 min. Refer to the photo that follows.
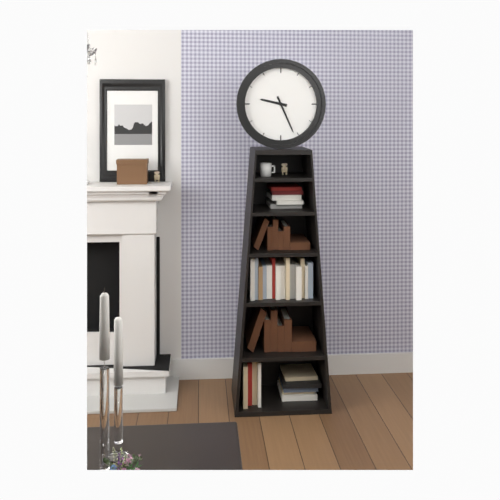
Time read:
9 h 26 min
